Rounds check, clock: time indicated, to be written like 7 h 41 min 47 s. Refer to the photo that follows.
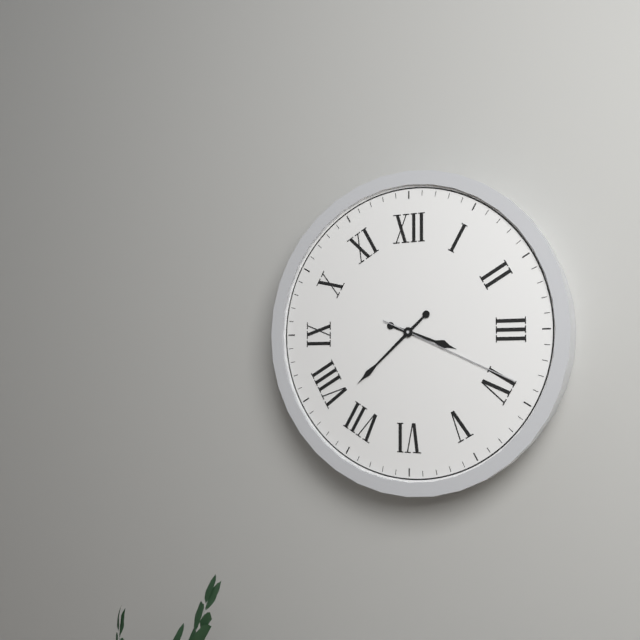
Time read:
3 h 38 min 19 s
